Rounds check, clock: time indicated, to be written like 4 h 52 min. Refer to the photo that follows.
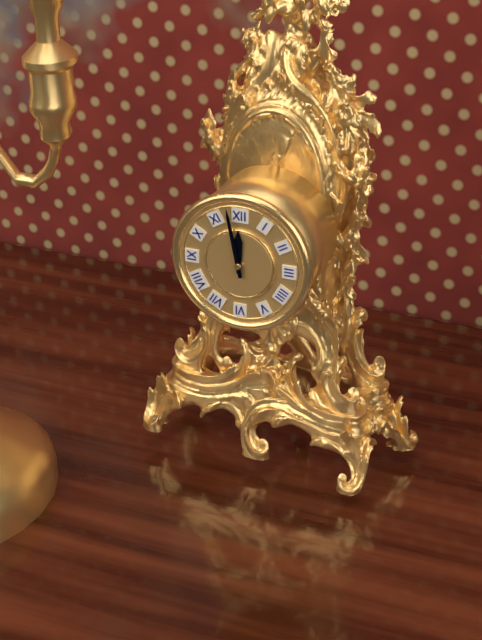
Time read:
11 h 58 min
